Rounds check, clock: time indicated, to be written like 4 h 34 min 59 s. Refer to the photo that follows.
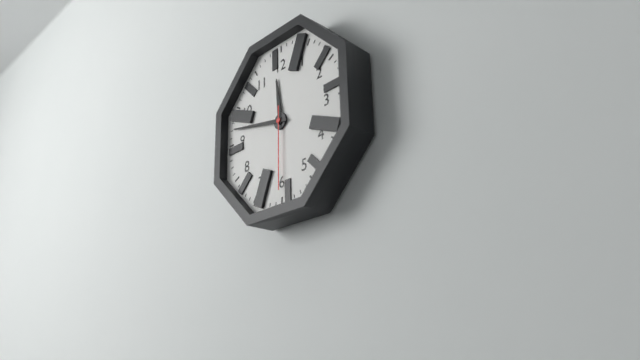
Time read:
11 h 47 min 30 s
